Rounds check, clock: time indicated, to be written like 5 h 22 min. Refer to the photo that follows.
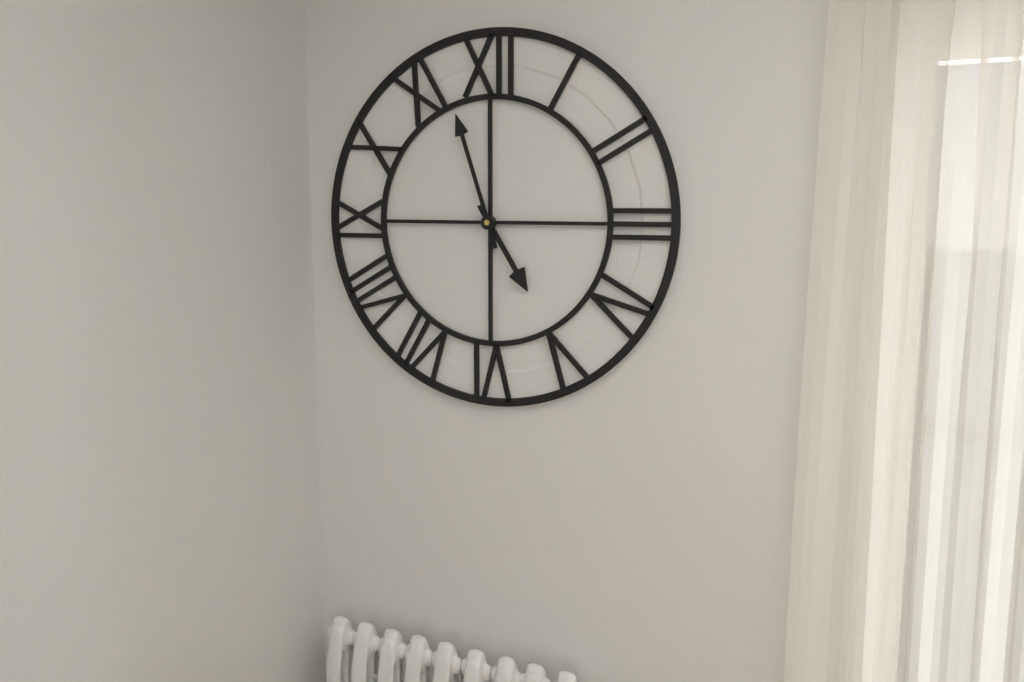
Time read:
4 h 57 min
